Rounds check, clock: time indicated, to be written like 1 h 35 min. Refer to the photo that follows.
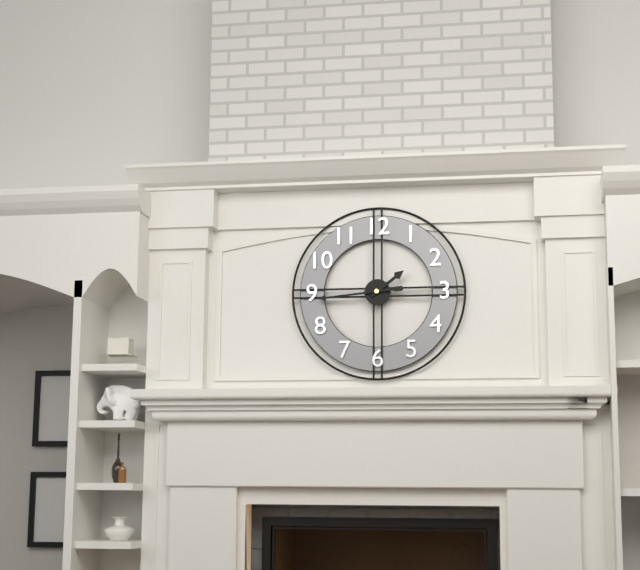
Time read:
1 h 44 min
